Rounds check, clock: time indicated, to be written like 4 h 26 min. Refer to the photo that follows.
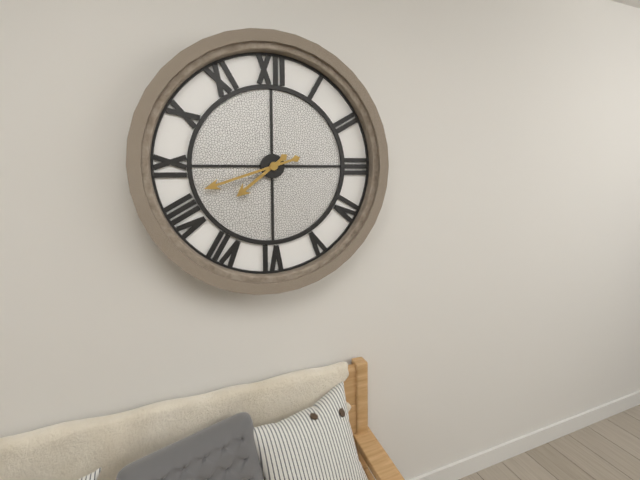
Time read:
7 h 42 min
